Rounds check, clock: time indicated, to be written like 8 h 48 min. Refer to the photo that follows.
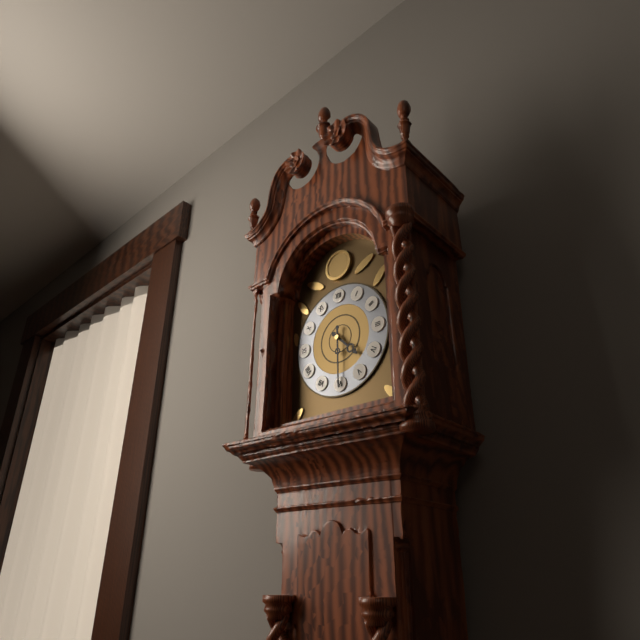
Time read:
4 h 30 min
